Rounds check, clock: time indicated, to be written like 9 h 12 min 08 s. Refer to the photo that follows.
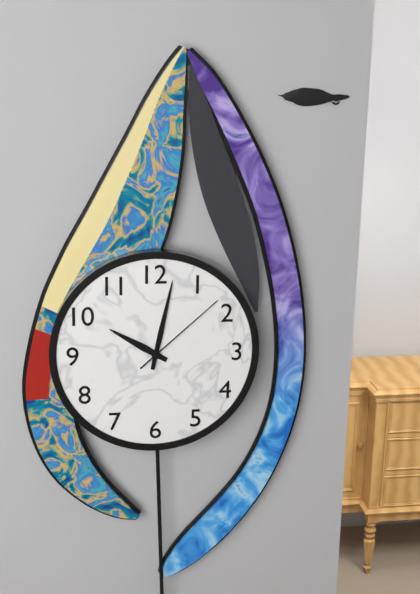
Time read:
10 h 02 min 08 s
